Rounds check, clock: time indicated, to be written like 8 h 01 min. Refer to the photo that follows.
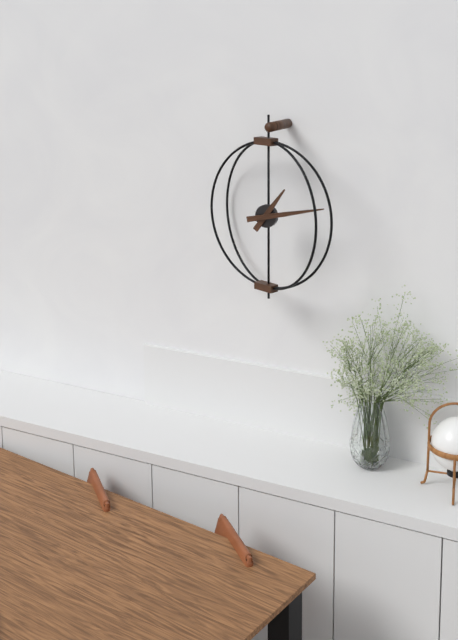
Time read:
1 h 13 min
